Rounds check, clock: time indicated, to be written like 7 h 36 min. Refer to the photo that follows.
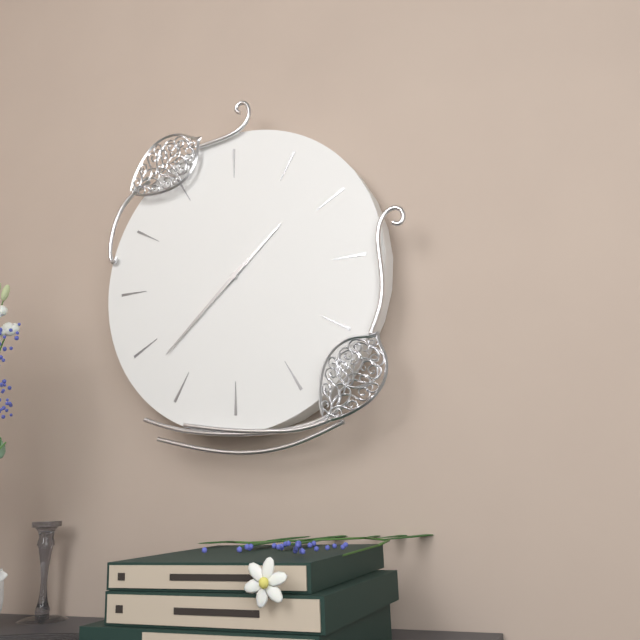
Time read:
1 h 38 min
